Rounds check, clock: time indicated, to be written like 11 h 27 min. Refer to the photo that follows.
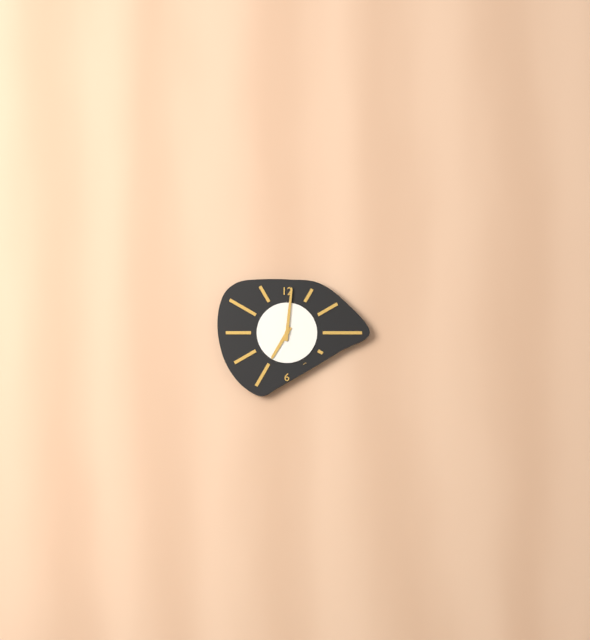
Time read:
7 h 01 min
